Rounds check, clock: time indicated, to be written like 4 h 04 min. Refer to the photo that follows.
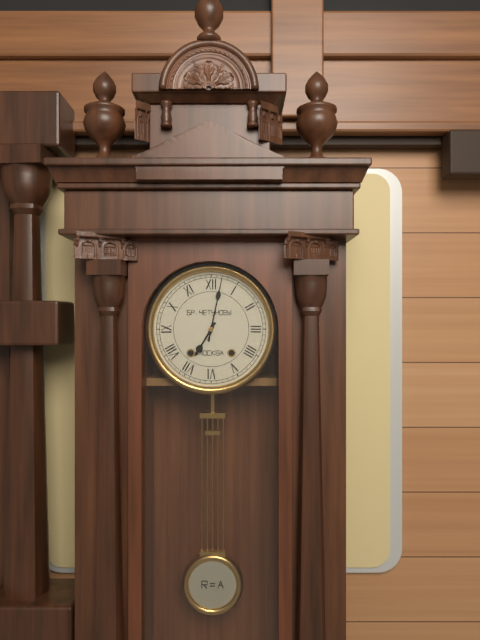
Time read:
7 h 02 min
